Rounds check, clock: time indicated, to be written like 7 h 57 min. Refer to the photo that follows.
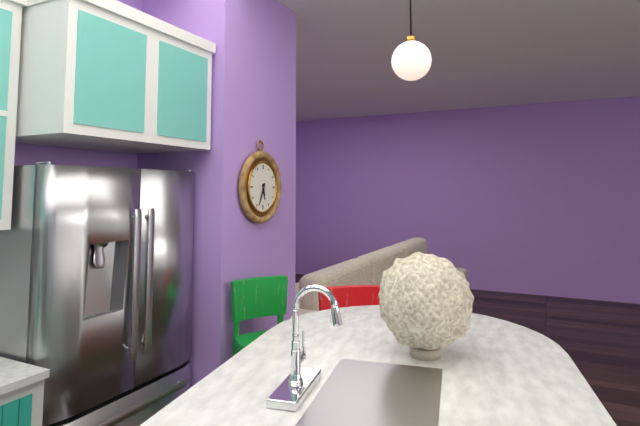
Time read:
5 h 34 min
